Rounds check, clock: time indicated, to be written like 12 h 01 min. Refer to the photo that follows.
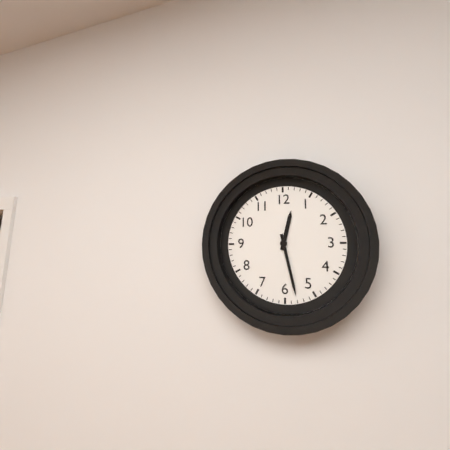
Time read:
12 h 28 min
